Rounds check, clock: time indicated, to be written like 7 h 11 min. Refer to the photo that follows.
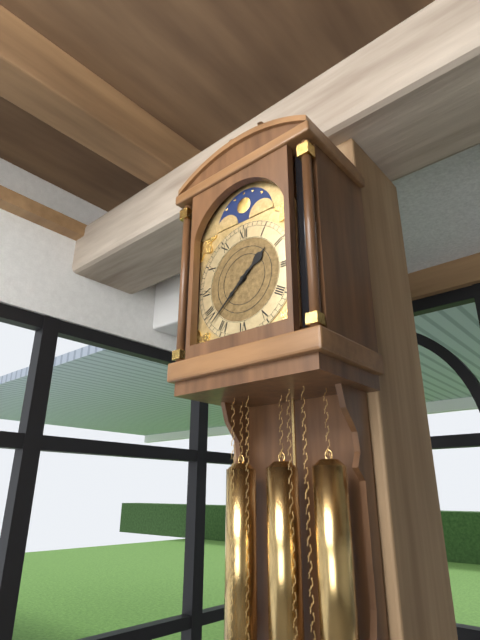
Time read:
1 h 38 min
